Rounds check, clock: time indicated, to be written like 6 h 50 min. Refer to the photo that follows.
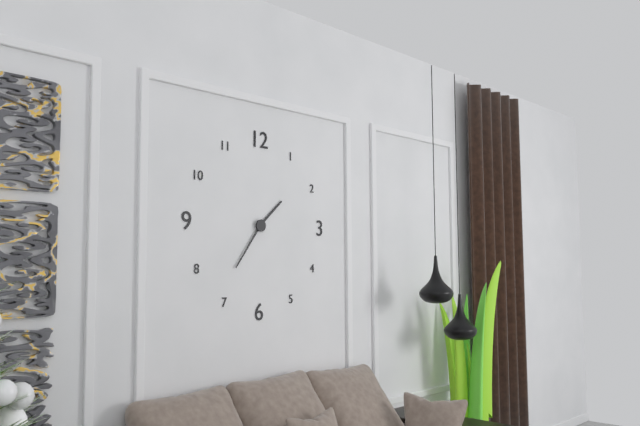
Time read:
1 h 36 min
